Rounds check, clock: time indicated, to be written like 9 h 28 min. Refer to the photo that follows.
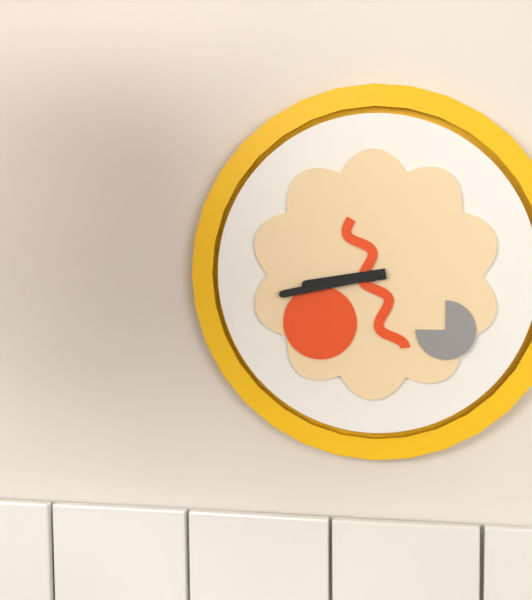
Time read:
8 h 43 min
